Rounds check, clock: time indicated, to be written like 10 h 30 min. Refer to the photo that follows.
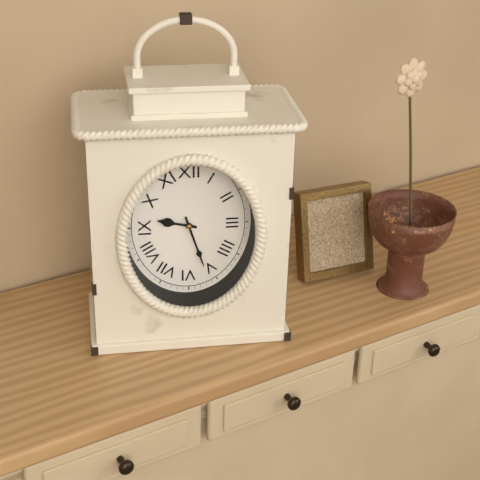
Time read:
9 h 27 min
